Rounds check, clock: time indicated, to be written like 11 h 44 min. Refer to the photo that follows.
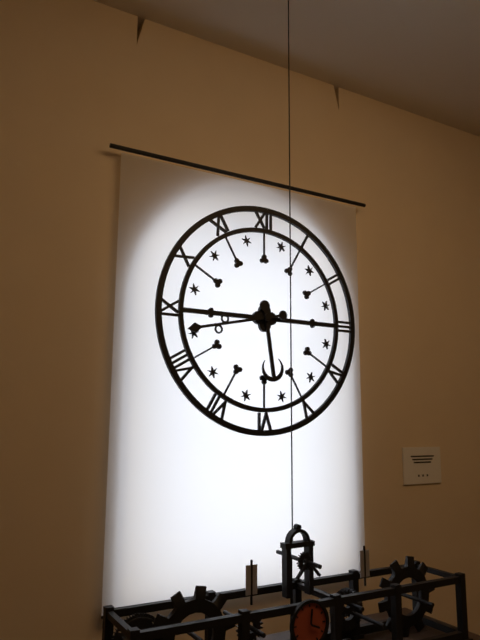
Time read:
5 h 43 min
